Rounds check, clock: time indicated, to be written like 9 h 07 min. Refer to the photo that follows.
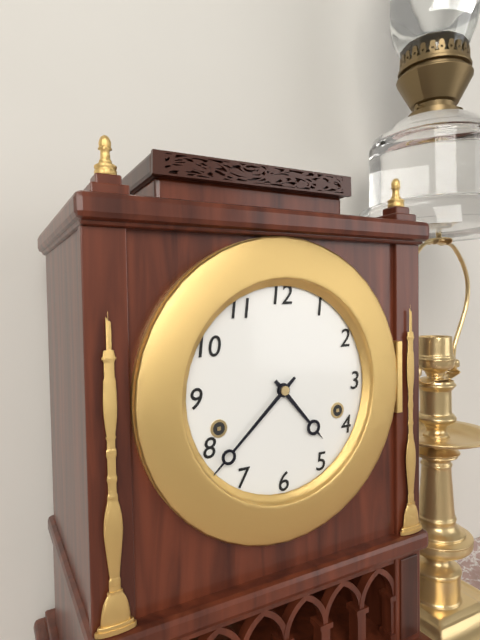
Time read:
4 h 38 min
